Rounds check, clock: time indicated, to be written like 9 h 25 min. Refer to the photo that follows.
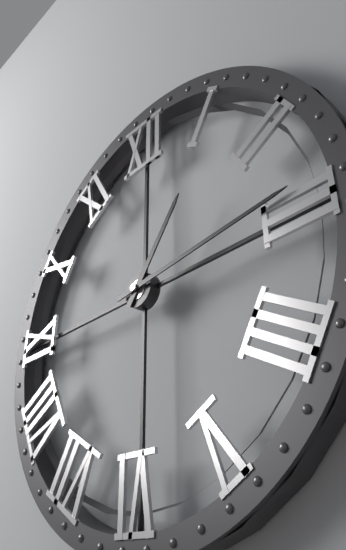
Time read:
1 h 14 min
